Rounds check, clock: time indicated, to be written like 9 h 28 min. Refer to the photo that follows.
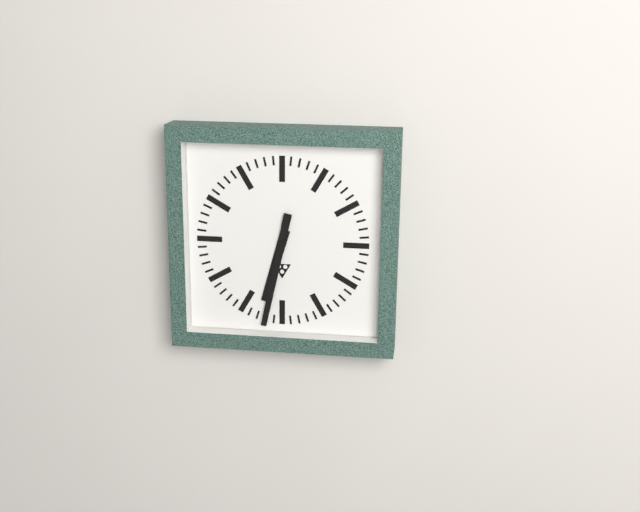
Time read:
6 h 32 min
